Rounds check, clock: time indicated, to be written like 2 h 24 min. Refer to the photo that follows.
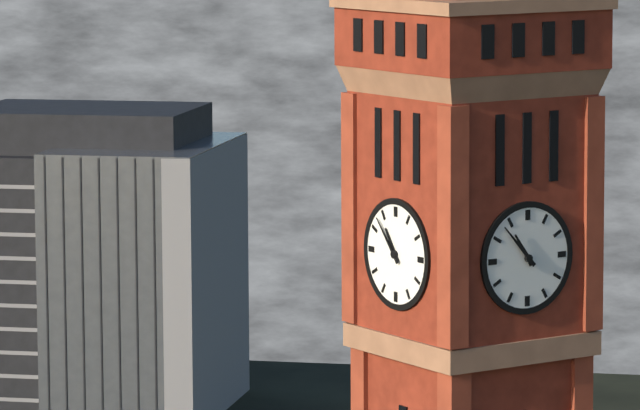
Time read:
10 h 53 min
